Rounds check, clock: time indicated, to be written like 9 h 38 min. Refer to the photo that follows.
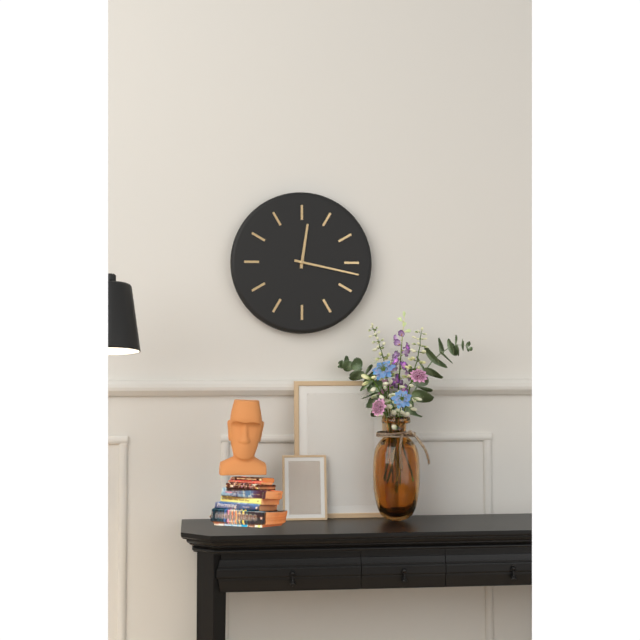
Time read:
12 h 17 min
